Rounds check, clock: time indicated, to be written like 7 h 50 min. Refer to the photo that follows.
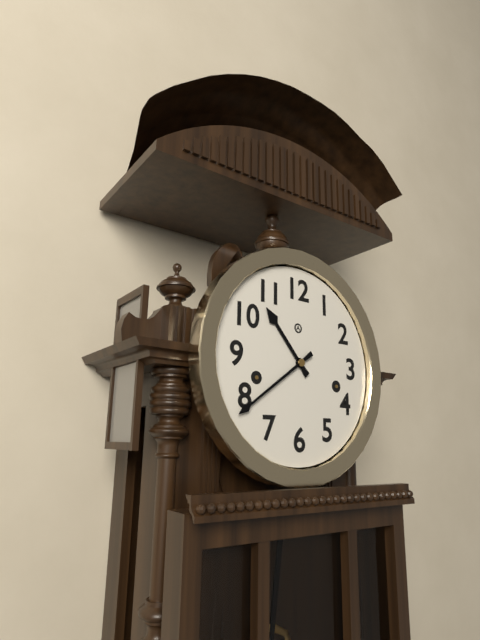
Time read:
10 h 39 min
